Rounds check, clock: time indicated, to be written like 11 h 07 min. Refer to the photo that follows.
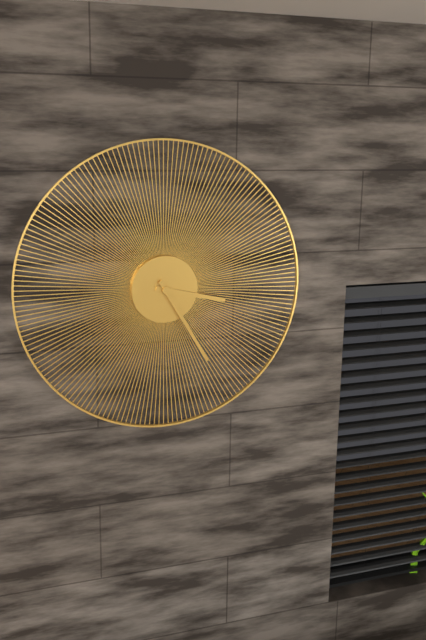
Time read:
3 h 25 min
